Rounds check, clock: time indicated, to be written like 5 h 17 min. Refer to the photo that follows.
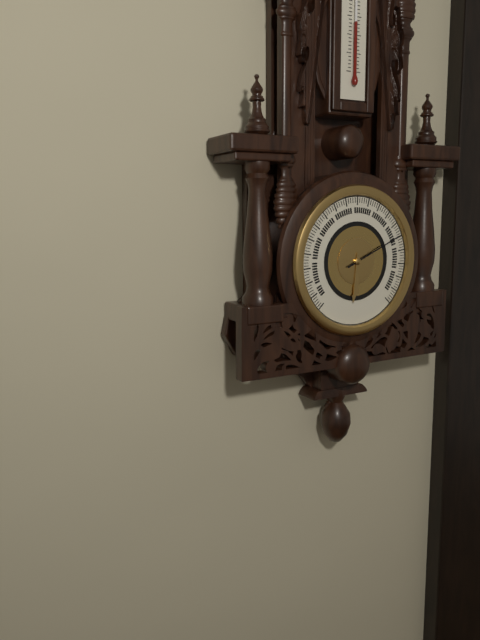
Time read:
6 h 11 min
